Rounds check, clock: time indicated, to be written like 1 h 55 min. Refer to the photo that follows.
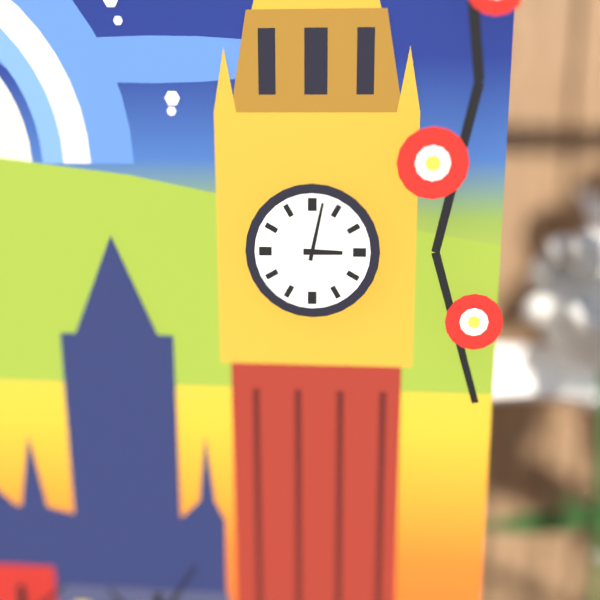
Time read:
3 h 02 min
